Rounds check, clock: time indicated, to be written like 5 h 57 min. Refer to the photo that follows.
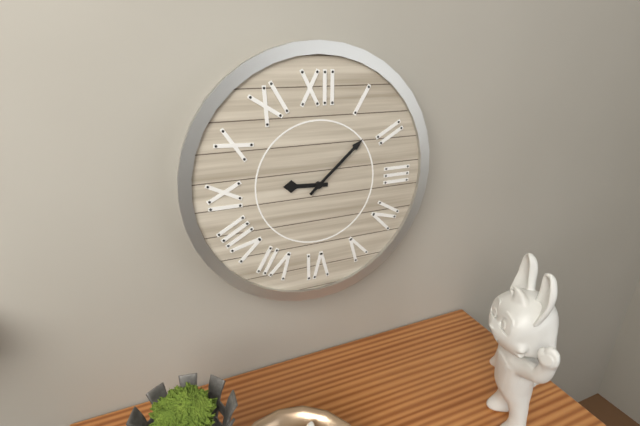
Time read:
9 h 08 min
